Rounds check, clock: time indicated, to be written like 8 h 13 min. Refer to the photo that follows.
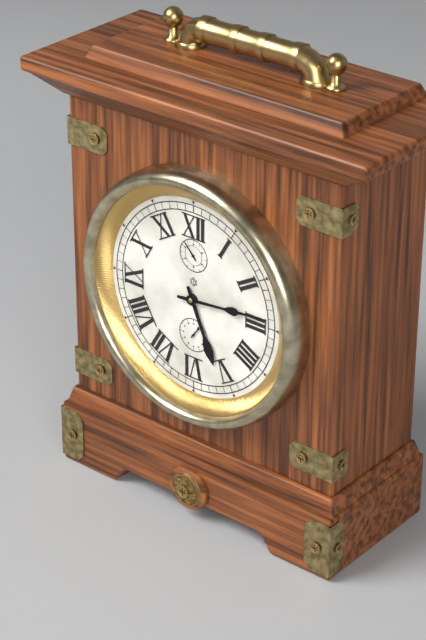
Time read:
5 h 14 min
